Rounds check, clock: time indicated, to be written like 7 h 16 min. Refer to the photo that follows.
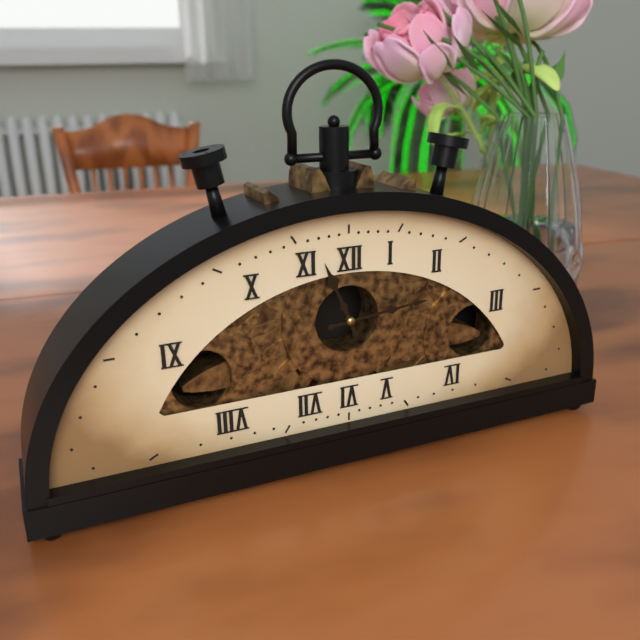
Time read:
11 h 14 min
